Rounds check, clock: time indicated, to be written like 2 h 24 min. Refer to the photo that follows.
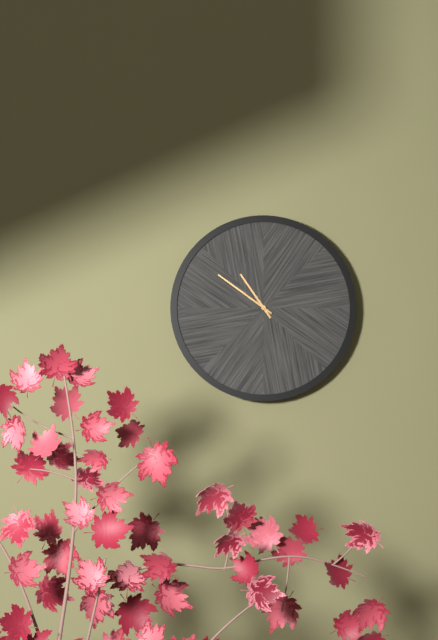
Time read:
10 h 51 min
